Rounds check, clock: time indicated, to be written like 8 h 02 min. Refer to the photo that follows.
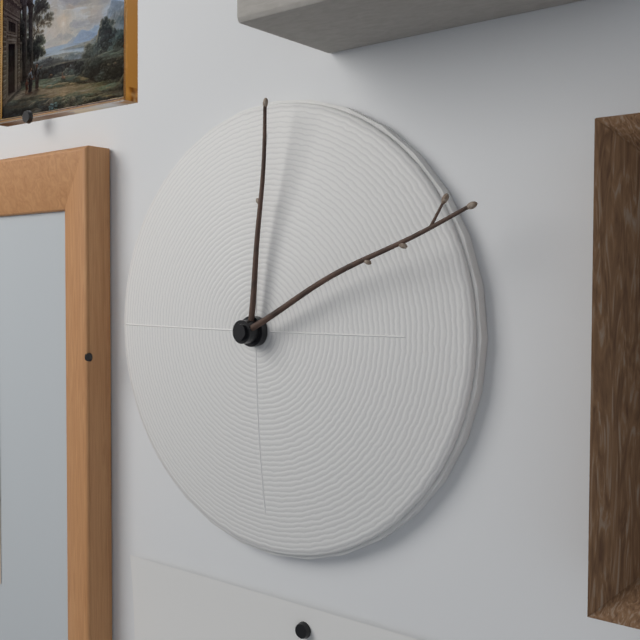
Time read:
12 h 11 min
